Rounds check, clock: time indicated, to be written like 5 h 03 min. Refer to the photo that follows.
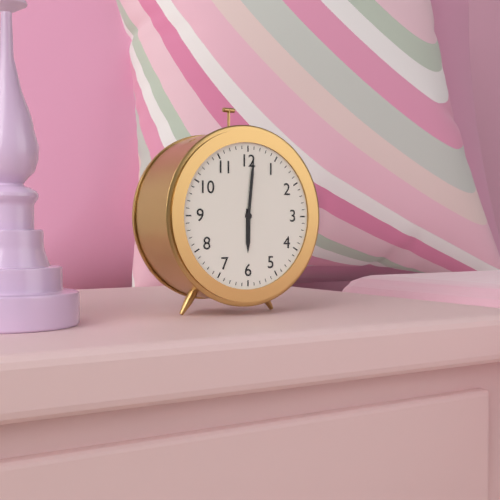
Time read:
6 h 01 min
